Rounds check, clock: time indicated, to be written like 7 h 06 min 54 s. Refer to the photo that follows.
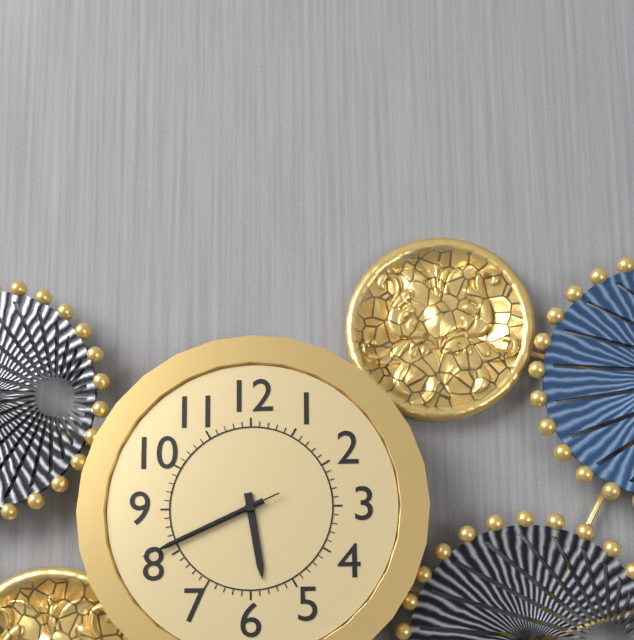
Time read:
5 h 41 min 41 s
